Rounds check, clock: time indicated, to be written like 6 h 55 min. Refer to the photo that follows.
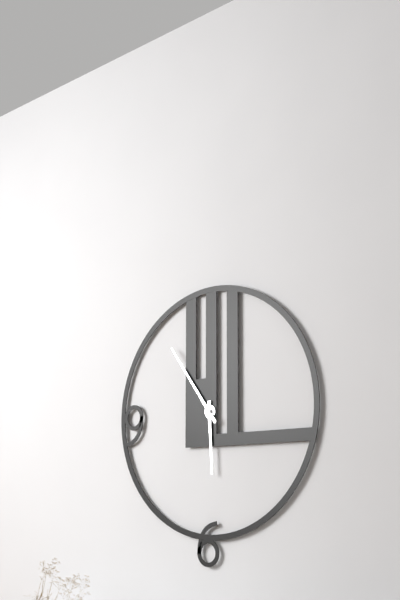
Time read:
5 h 54 min
